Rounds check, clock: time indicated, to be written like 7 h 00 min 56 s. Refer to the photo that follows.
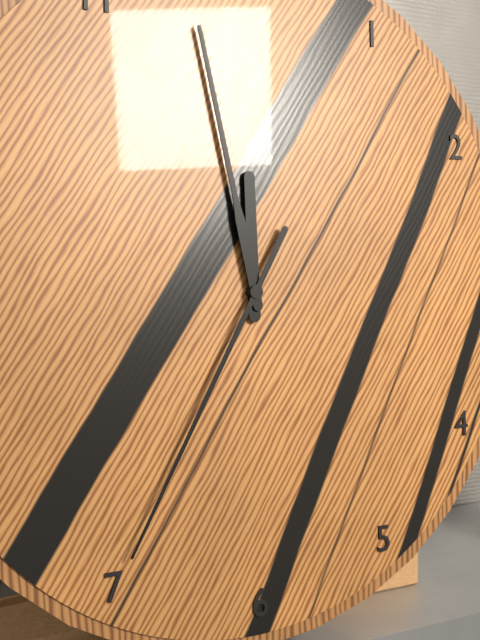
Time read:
11 h 58 min 35 s
